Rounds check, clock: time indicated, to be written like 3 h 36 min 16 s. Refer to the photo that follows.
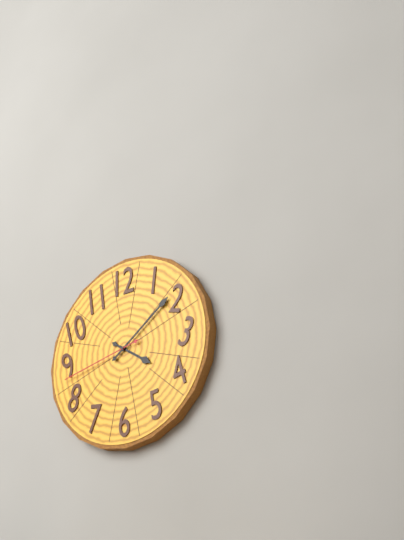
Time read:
4 h 09 min 43 s
